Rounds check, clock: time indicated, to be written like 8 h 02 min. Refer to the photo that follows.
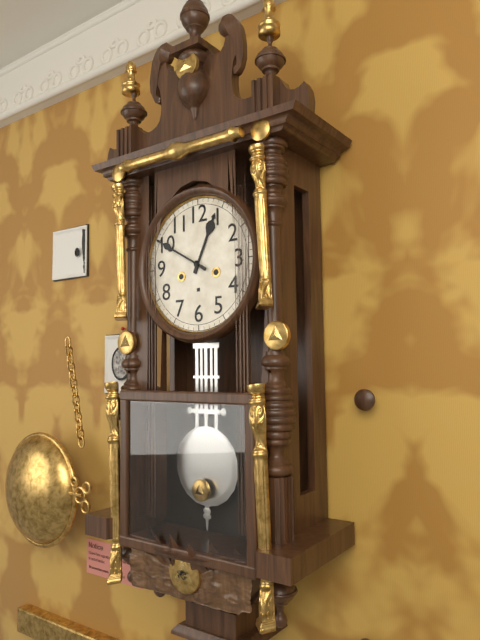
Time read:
12 h 50 min
